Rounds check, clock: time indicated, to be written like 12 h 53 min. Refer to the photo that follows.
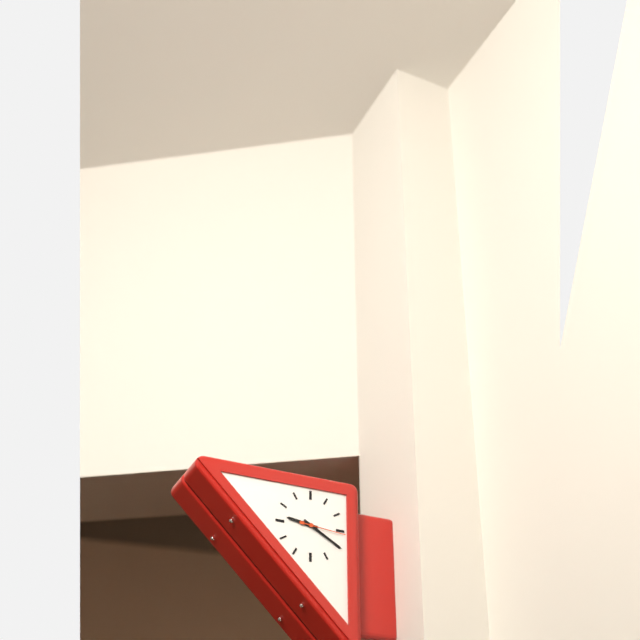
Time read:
9 h 20 min
